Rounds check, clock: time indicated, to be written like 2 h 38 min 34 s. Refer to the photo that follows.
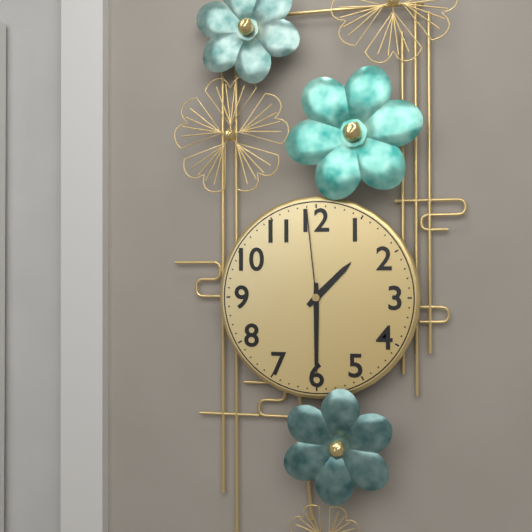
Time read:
1 h 30 min 59 s
